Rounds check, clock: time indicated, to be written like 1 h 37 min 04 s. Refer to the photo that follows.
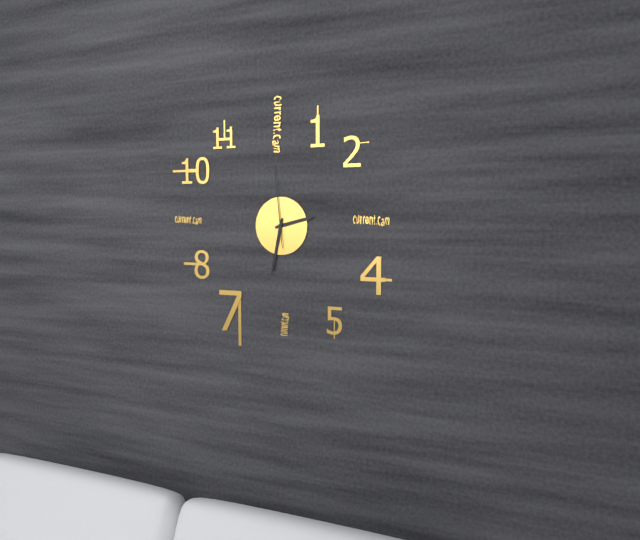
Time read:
2 h 32 min 59 s
